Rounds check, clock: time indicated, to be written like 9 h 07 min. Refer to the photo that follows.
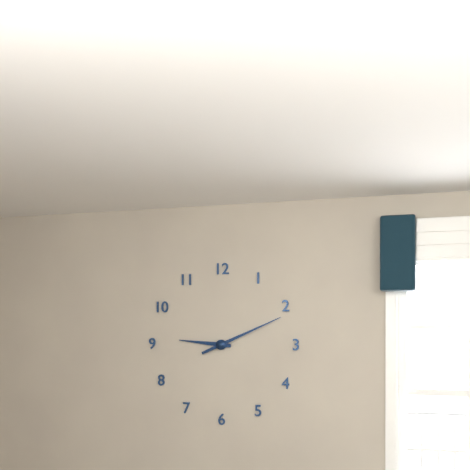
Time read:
9 h 11 min
